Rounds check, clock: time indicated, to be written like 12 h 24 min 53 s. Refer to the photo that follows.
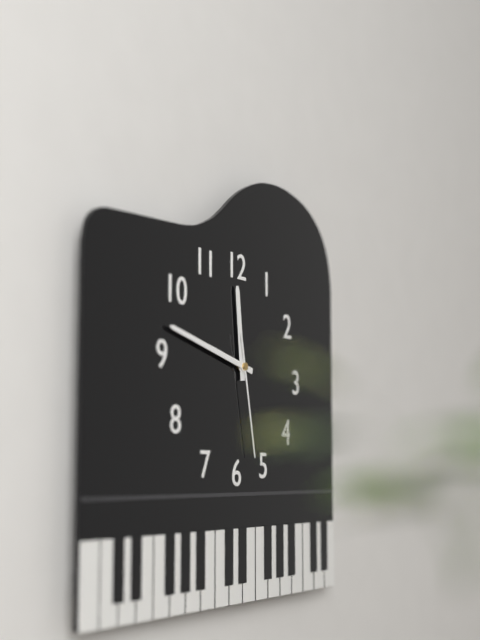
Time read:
11 h 47 min 28 s
